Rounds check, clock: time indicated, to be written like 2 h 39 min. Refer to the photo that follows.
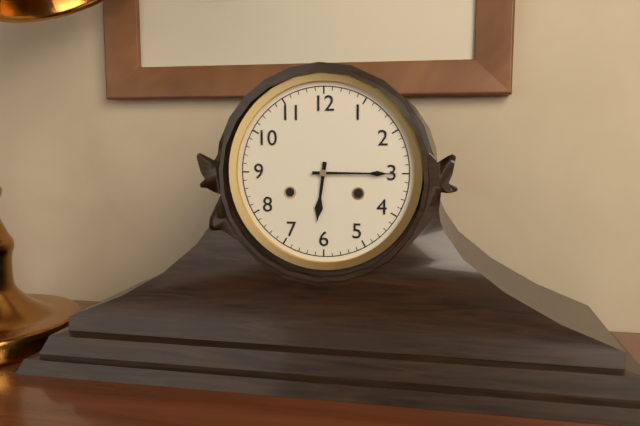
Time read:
6 h 15 min
